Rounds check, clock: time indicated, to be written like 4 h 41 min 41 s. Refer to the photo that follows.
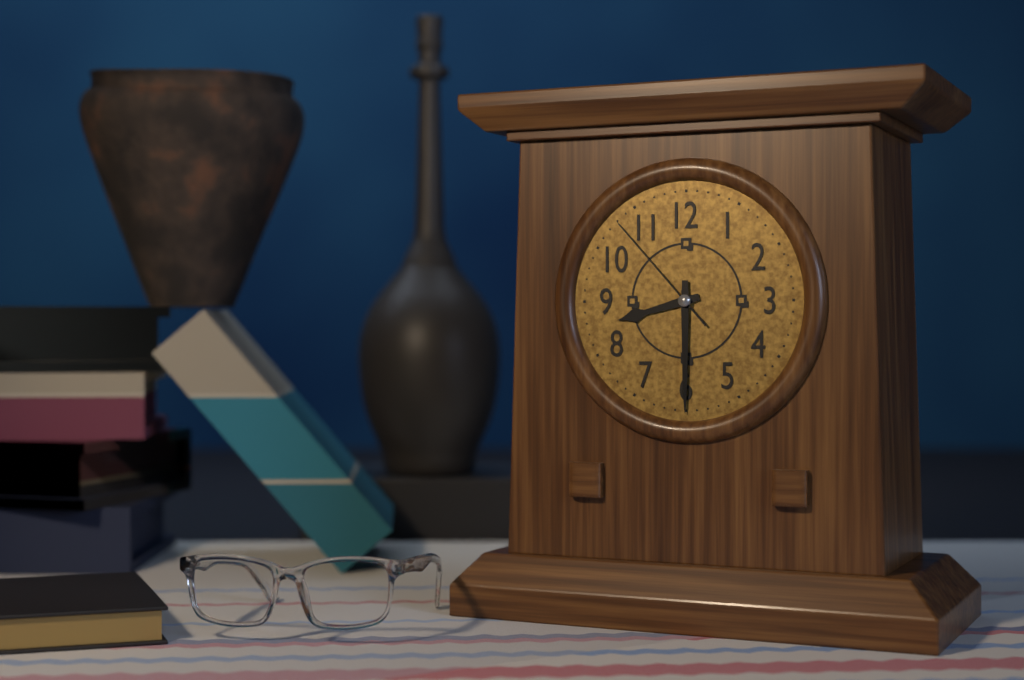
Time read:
8 h 30 min 53 s
